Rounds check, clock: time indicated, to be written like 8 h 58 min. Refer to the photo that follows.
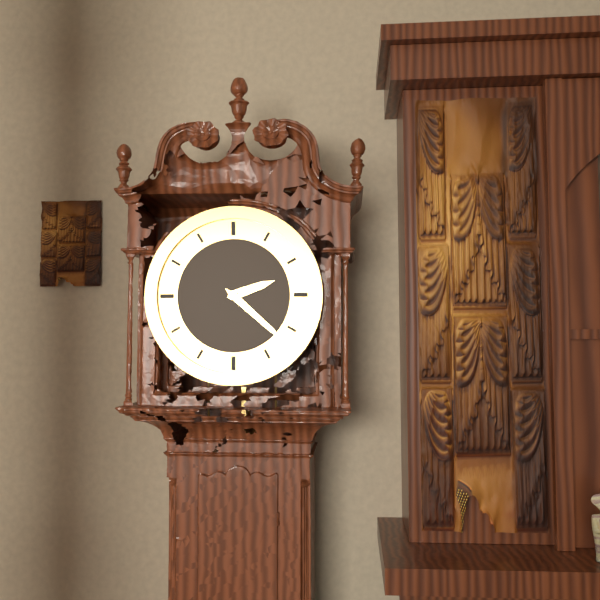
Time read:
2 h 22 min
